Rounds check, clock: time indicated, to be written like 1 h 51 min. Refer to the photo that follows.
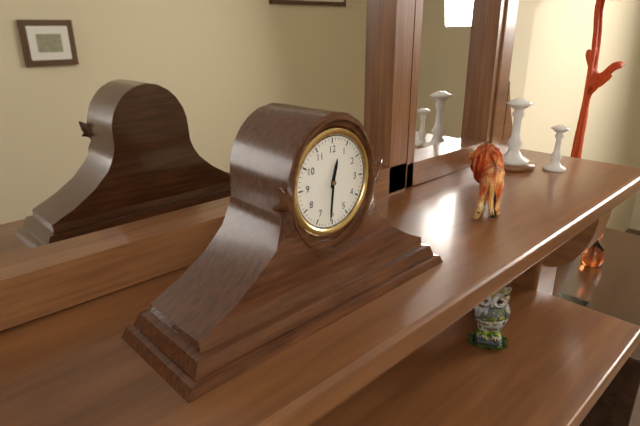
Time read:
12 h 31 min
